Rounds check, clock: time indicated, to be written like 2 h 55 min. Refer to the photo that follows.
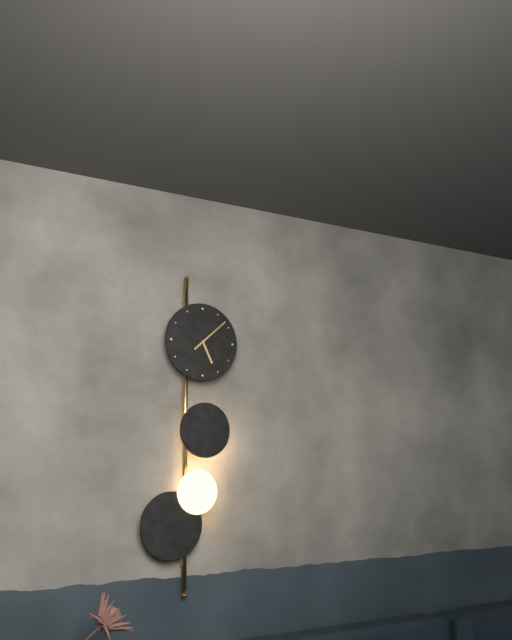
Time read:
5 h 08 min
